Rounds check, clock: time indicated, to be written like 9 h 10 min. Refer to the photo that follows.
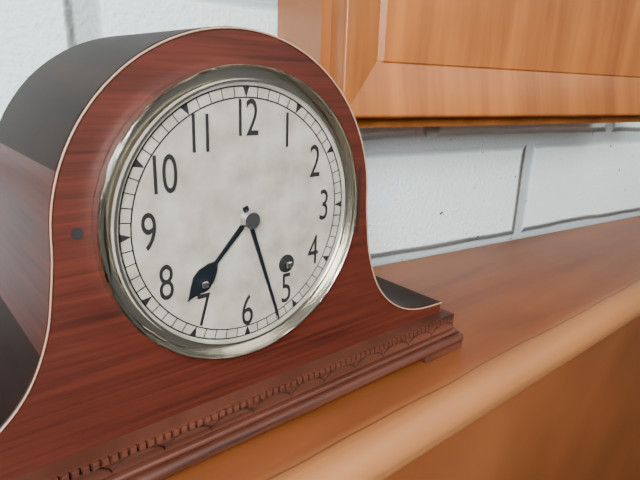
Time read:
7 h 27 min
